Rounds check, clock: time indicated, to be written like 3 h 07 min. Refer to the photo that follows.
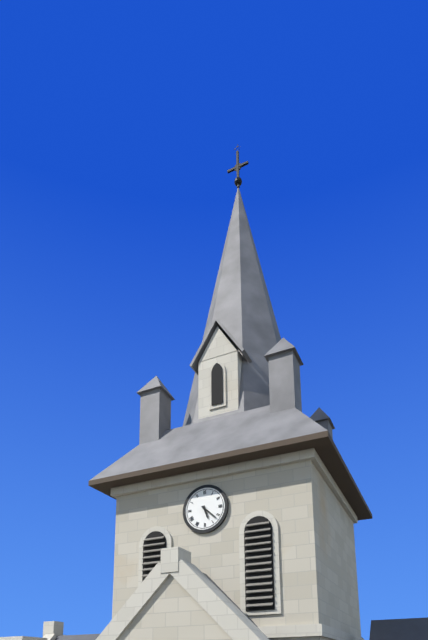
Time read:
5 h 22 min
